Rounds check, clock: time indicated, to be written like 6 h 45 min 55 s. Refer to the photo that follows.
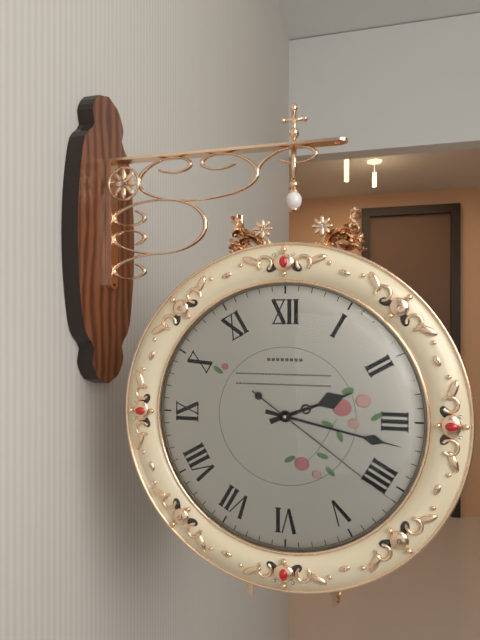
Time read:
2 h 17 min 21 s
